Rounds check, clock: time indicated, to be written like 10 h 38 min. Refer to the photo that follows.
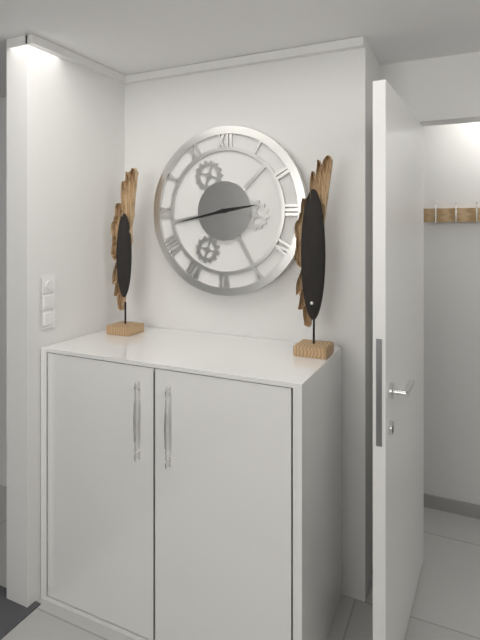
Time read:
2 h 43 min
